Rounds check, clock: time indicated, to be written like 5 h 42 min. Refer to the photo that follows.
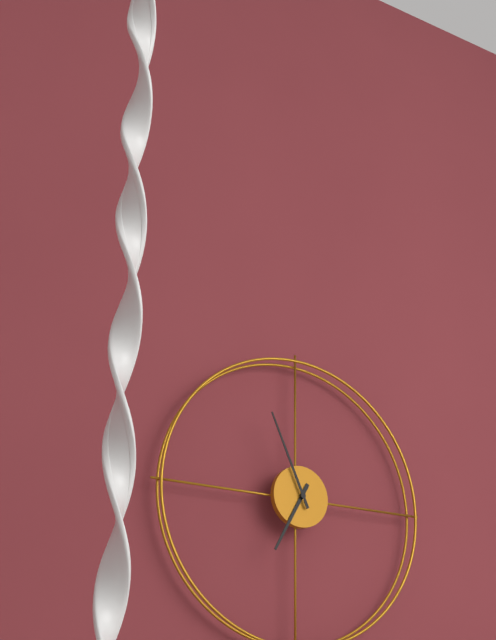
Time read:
6 h 56 min
